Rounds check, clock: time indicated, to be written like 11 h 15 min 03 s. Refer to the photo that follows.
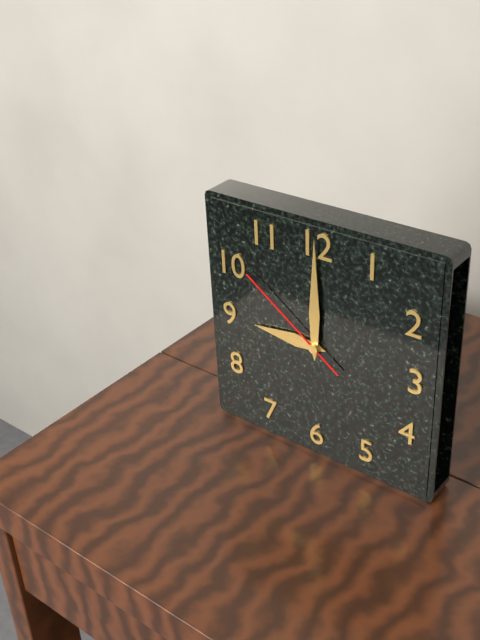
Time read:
9 h 00 min 51 s
